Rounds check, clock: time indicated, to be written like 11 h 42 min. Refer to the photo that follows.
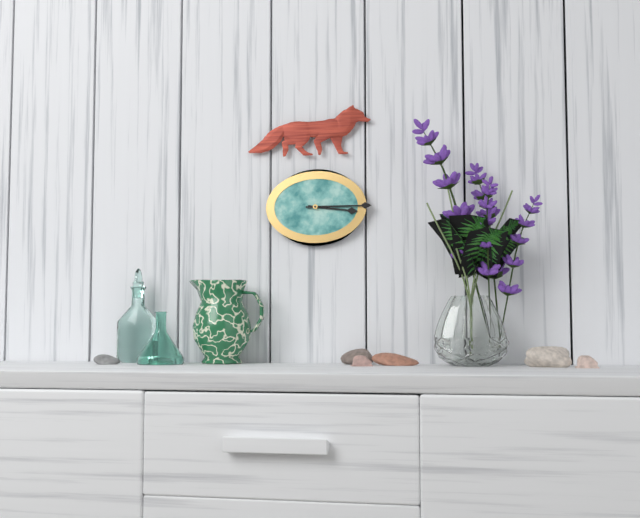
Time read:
3 h 15 min
